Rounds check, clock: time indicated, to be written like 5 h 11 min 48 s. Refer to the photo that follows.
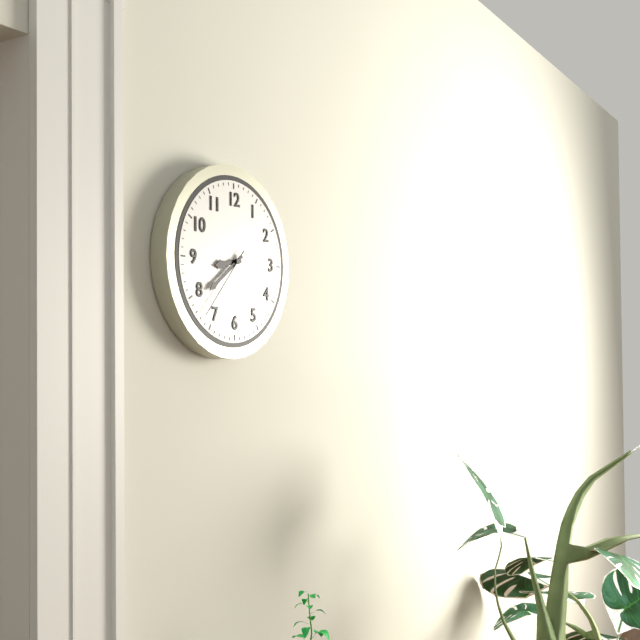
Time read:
8 h 39 min 37 s
